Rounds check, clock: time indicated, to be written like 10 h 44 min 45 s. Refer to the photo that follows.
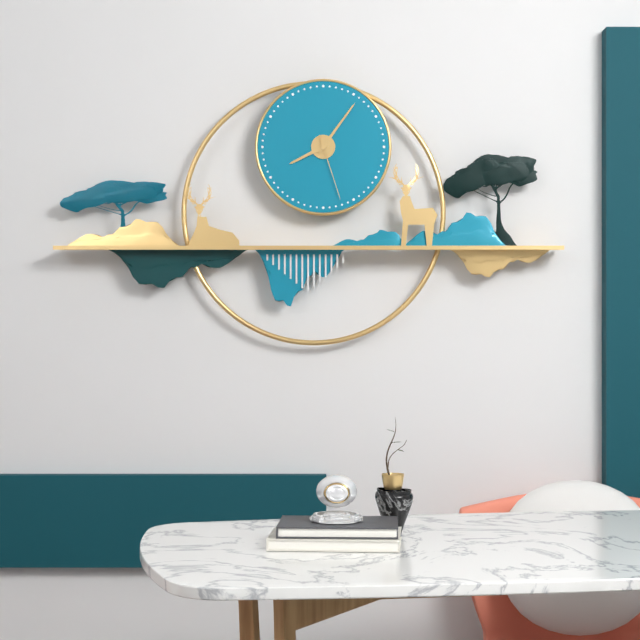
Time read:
8 h 06 min 27 s
